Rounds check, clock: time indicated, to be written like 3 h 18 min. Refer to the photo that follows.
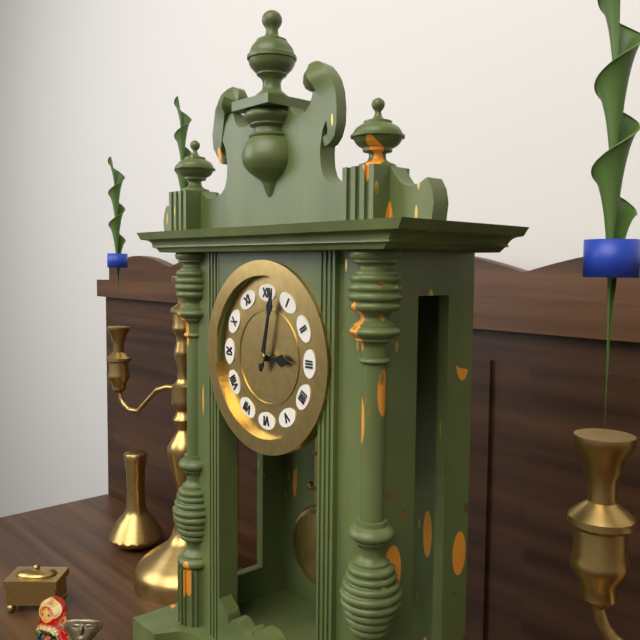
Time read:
3 h 02 min
